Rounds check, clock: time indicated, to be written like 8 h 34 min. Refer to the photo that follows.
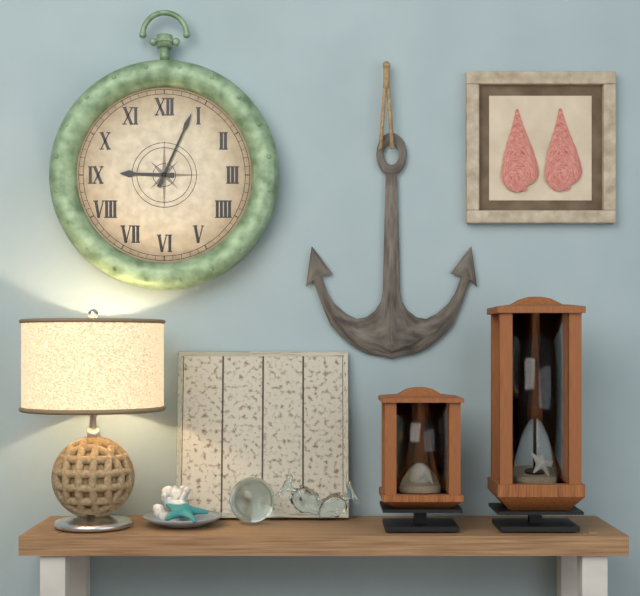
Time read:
9 h 04 min
